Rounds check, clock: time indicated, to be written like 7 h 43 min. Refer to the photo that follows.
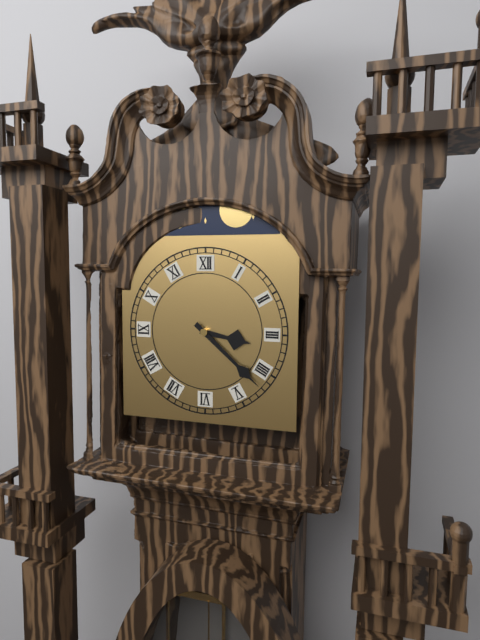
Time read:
3 h 22 min
